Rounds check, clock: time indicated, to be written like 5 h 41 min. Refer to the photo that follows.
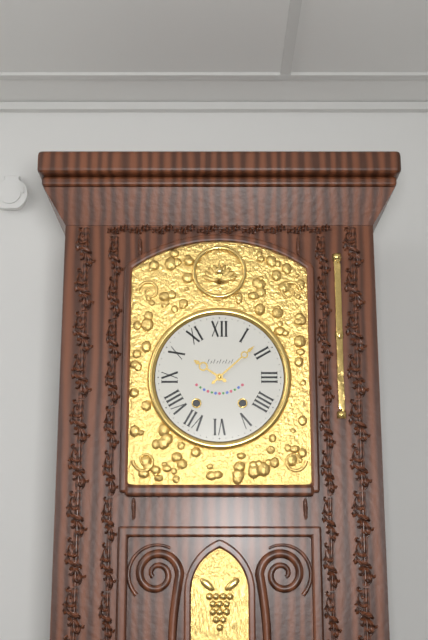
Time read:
10 h 08 min
